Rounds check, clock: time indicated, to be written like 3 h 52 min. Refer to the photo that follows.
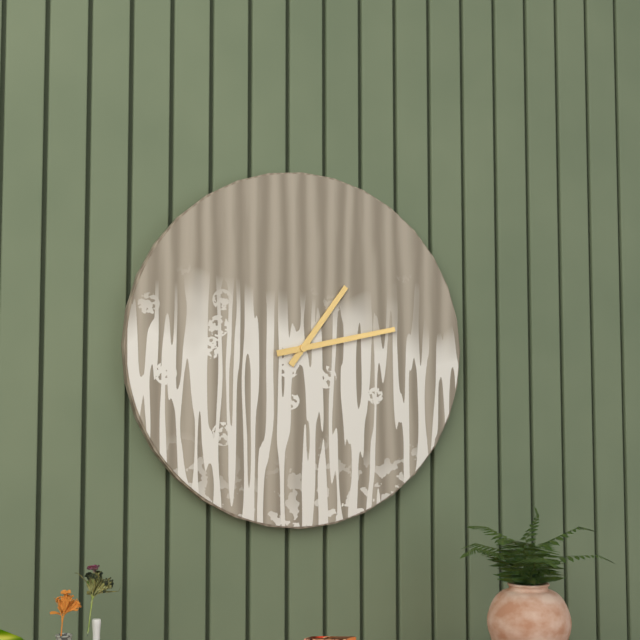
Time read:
1 h 13 min
